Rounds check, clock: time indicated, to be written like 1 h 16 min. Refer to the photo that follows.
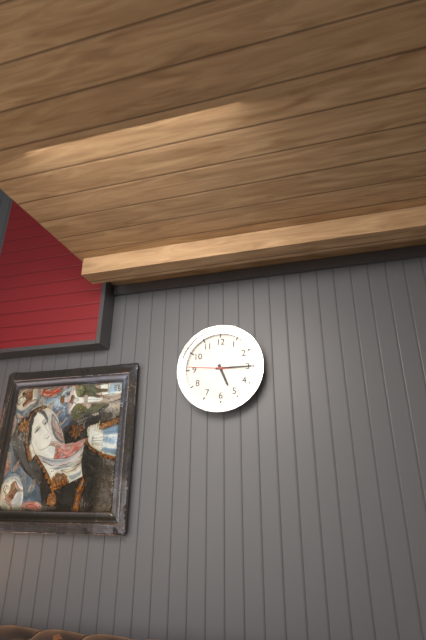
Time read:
5 h 15 min
